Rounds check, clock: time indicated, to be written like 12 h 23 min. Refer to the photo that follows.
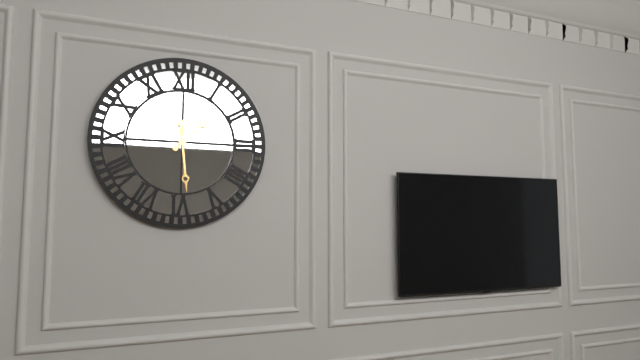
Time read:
1 h 29 min
